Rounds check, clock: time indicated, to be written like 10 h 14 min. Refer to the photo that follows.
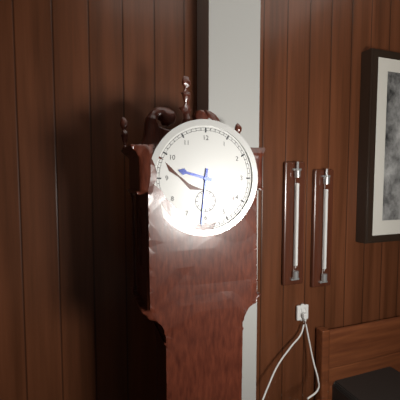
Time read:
9 h 31 min
